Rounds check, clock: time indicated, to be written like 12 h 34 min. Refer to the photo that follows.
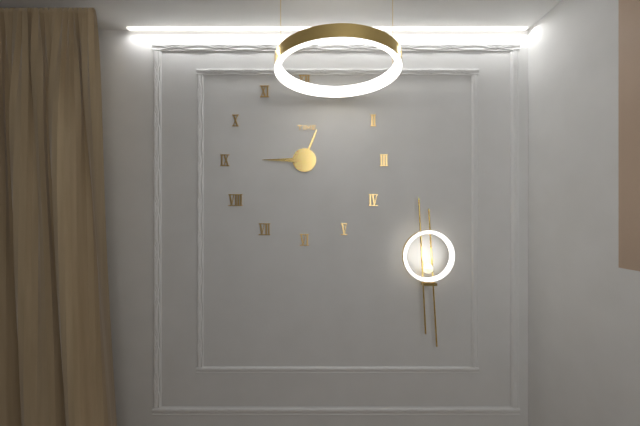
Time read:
12 h 45 min
